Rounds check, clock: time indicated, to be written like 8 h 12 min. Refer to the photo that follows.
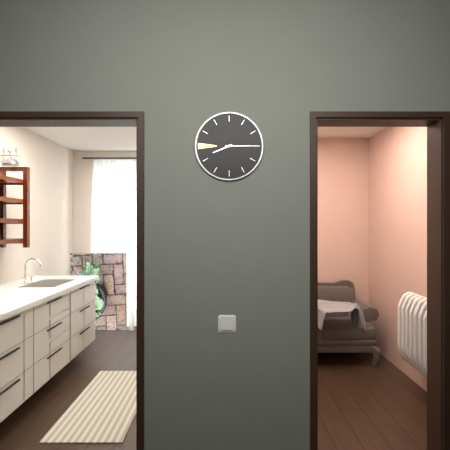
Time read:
8 h 15 min
